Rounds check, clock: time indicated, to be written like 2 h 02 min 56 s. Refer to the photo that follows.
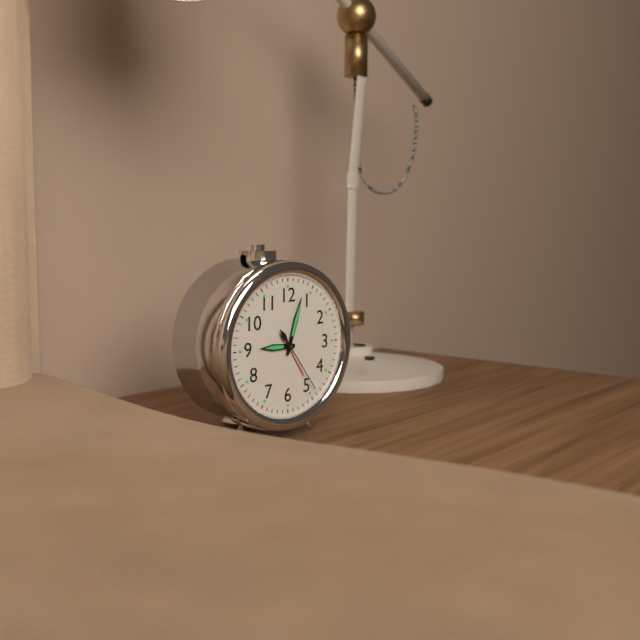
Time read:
9 h 03 min 24 s
